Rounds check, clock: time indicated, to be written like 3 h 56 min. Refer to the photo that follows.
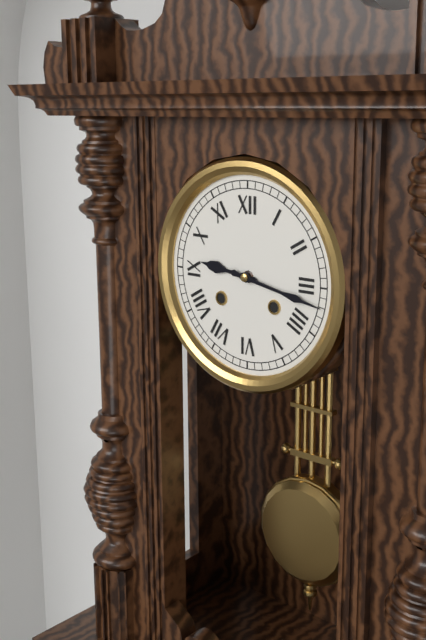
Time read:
9 h 17 min
